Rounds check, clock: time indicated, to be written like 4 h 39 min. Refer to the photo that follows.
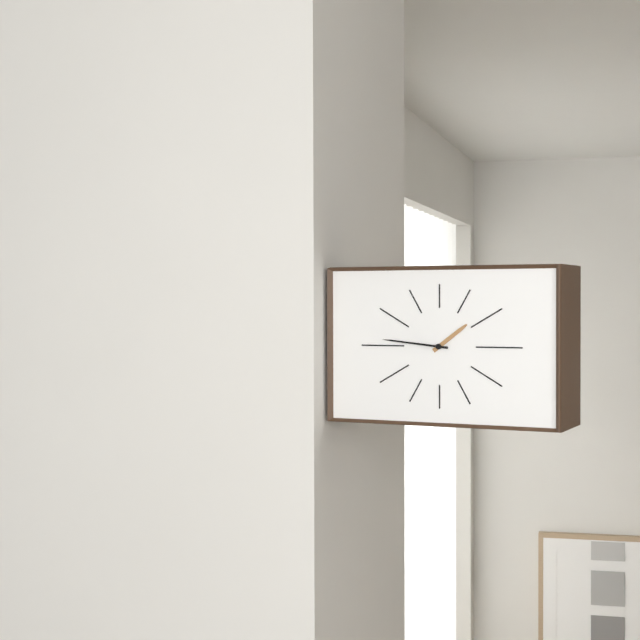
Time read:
1 h 46 min
